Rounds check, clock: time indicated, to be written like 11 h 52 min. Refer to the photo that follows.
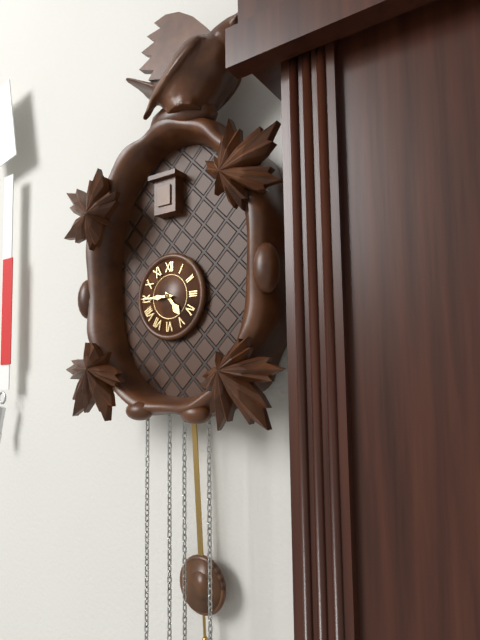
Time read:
4 h 45 min
